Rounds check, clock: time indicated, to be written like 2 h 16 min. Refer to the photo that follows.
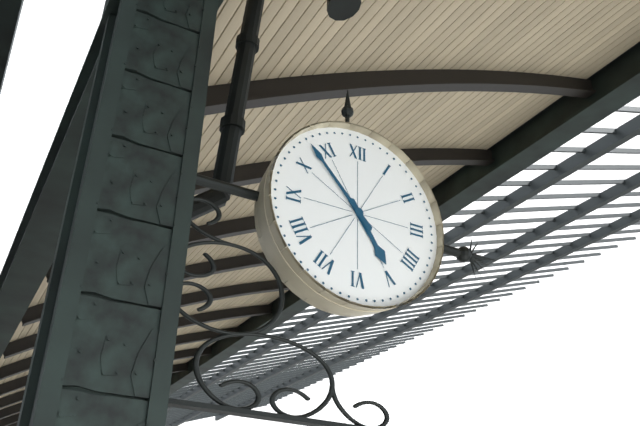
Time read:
4 h 53 min
